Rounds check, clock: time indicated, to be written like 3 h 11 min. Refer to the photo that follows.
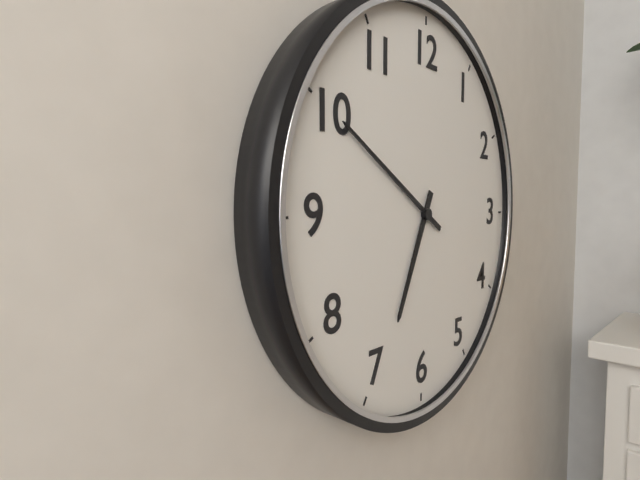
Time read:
6 h 50 min
